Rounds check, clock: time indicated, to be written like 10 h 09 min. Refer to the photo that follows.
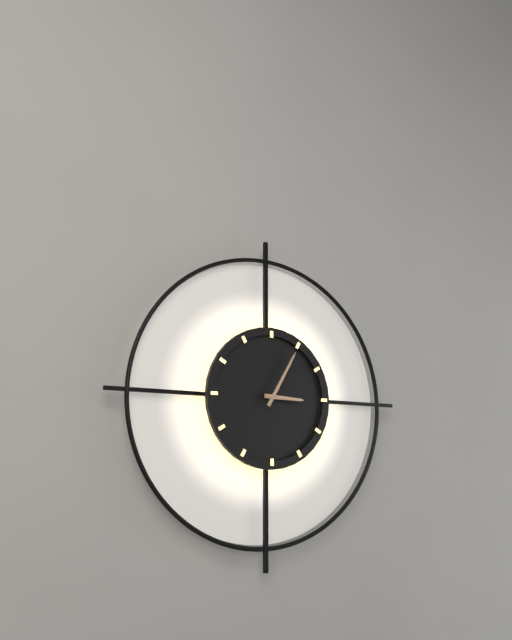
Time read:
3 h 05 min
